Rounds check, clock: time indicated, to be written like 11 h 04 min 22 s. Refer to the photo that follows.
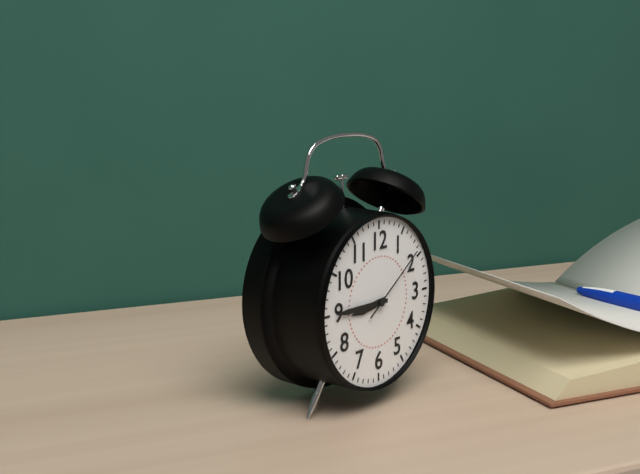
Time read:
8 h 45 min 09 s
